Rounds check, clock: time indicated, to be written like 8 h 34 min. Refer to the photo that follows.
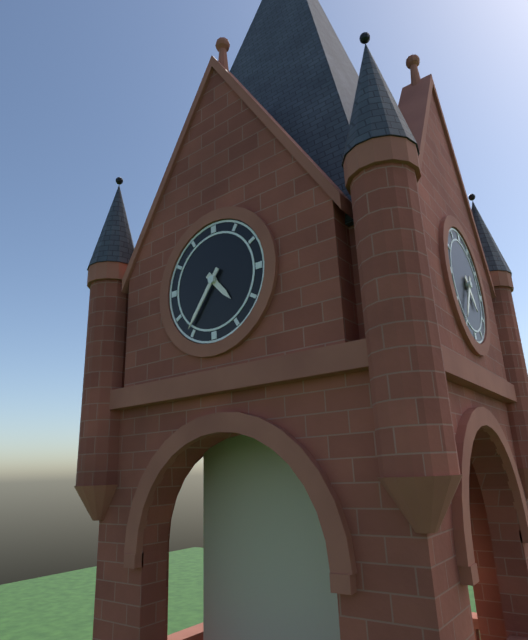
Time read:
4 h 36 min
